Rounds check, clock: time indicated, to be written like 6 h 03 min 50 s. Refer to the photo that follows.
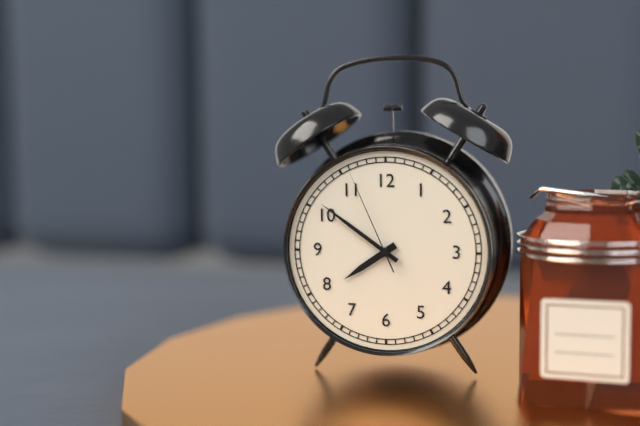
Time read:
7 h 51 min 56 s
